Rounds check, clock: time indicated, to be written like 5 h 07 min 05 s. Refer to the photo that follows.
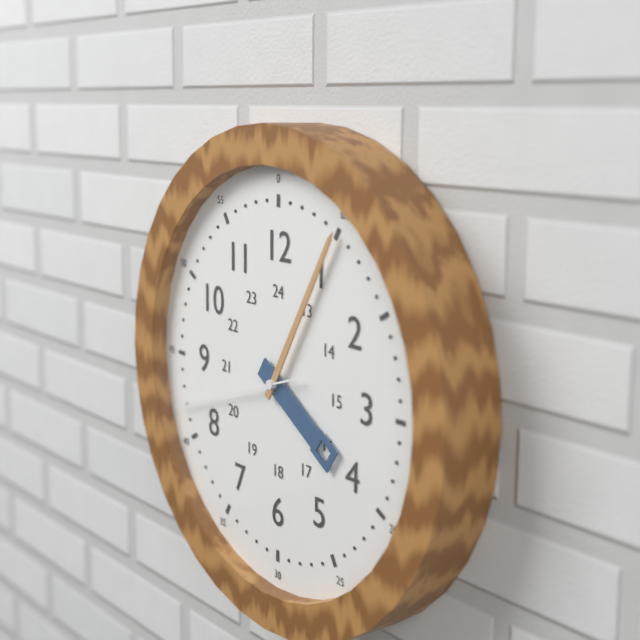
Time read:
4 h 05 min 42 s
